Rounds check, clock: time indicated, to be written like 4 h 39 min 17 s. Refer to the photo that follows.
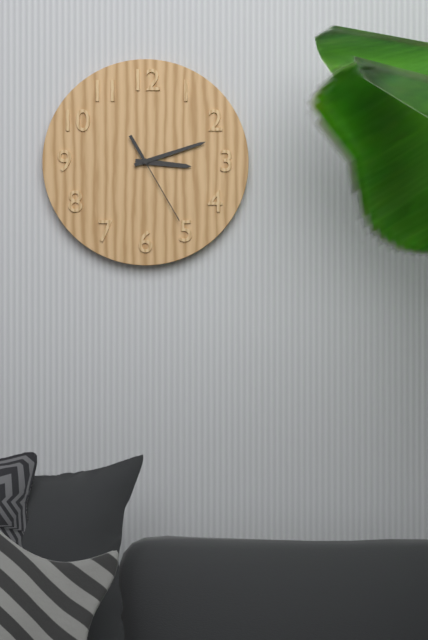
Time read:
3 h 12 min 25 s
